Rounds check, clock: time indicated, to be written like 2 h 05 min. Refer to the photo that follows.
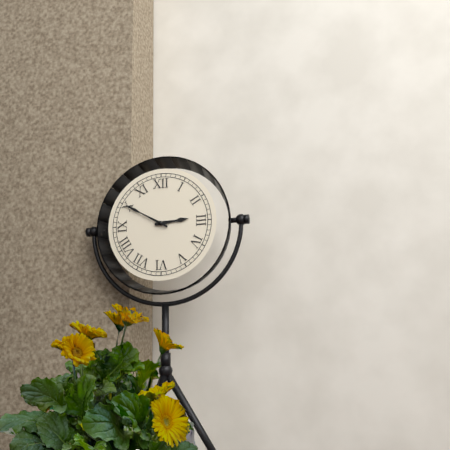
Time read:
2 h 50 min
